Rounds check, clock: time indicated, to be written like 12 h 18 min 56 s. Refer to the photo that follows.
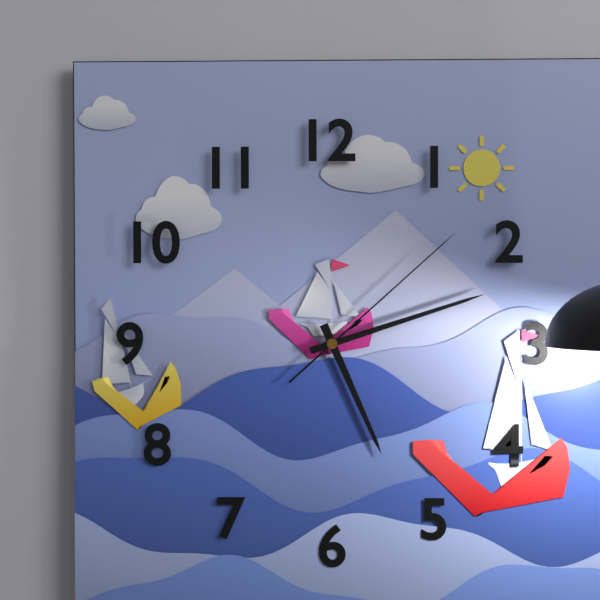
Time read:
5 h 12 min 08 s
